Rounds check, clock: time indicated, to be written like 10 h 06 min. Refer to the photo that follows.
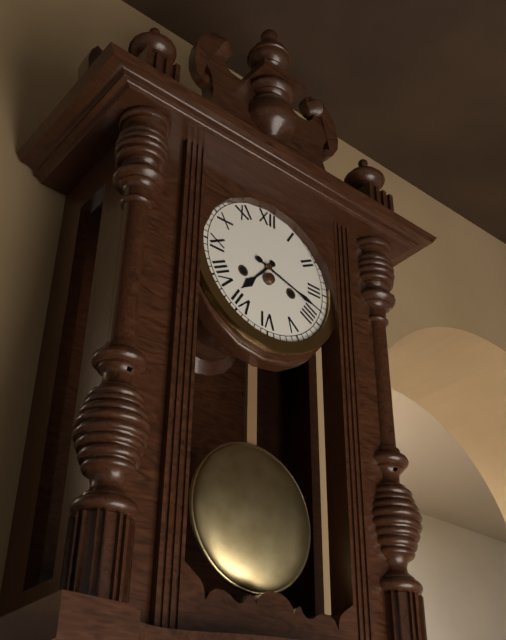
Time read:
7 h 18 min
